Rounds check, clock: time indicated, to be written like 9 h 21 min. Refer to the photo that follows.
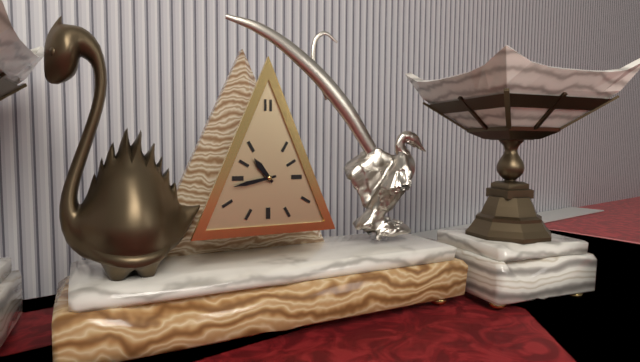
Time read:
10 h 43 min
